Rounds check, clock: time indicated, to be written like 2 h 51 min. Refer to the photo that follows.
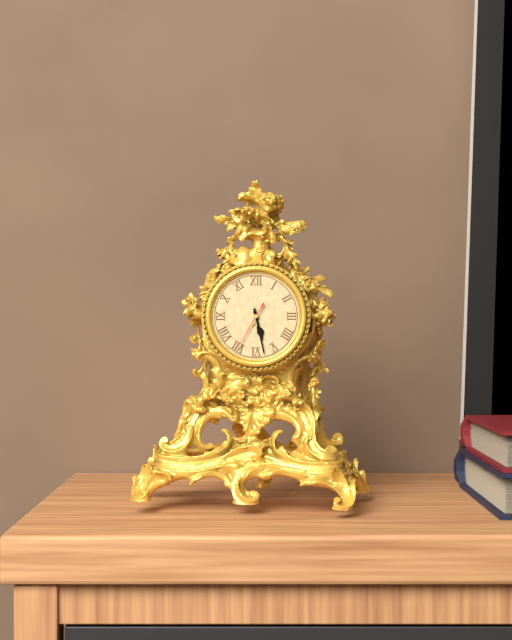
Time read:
5 h 28 min
